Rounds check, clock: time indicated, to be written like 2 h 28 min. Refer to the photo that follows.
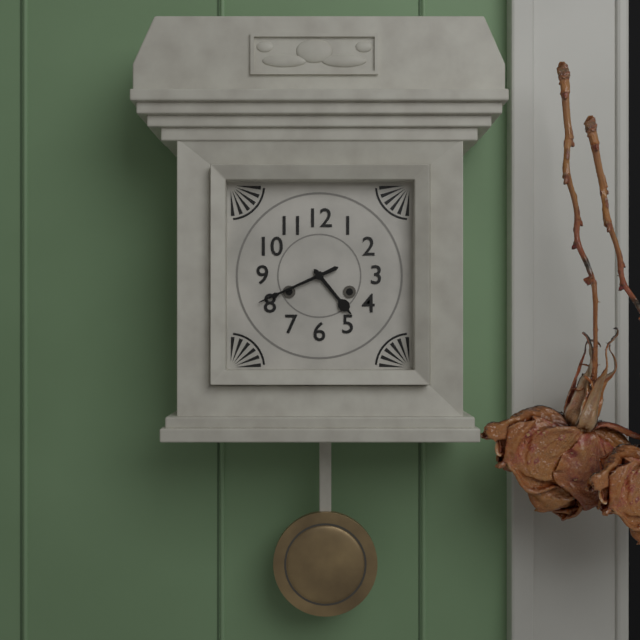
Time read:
4 h 41 min
